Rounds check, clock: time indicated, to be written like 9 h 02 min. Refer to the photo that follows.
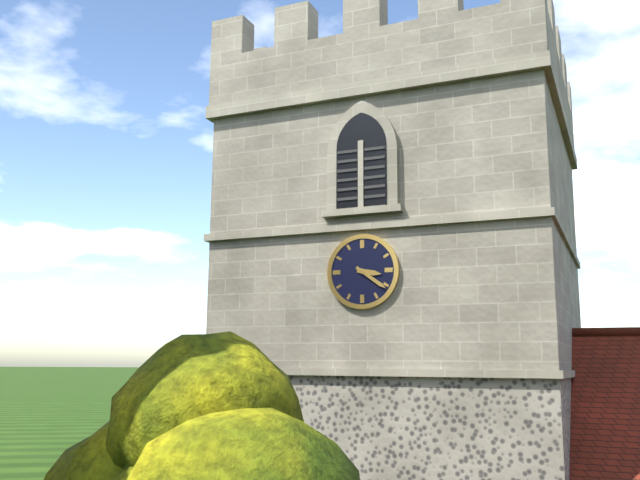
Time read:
3 h 21 min
